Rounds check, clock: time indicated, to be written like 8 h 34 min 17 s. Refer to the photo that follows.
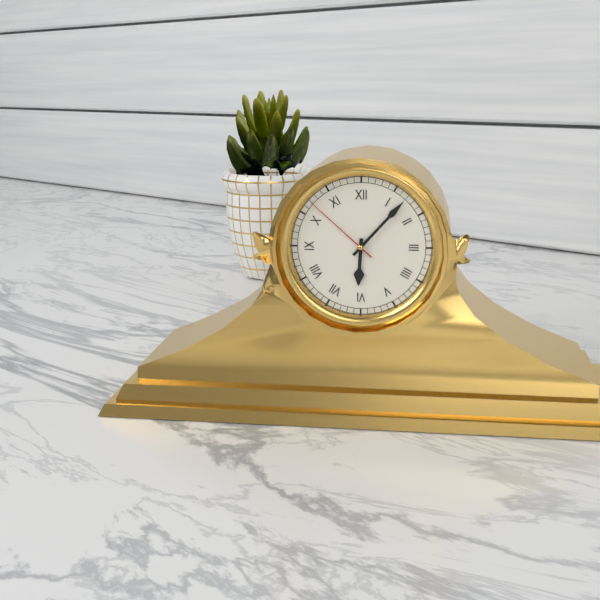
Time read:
6 h 07 min 52 s
